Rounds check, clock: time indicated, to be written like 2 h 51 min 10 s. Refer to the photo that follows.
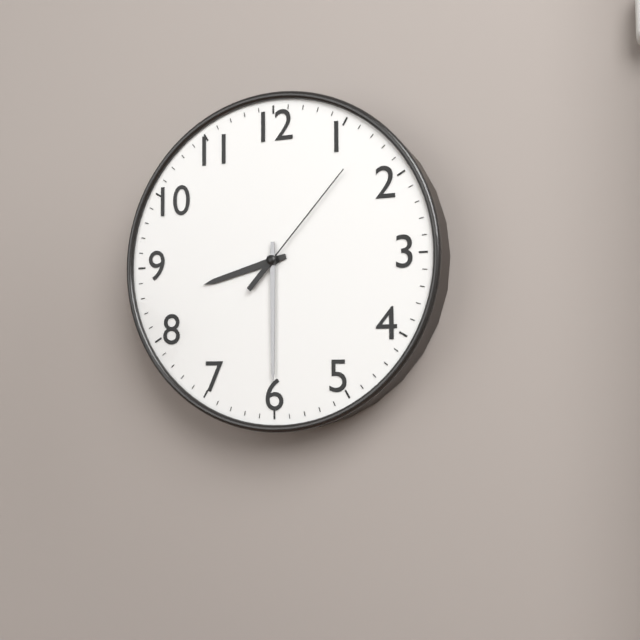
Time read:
8 h 30 min 07 s
